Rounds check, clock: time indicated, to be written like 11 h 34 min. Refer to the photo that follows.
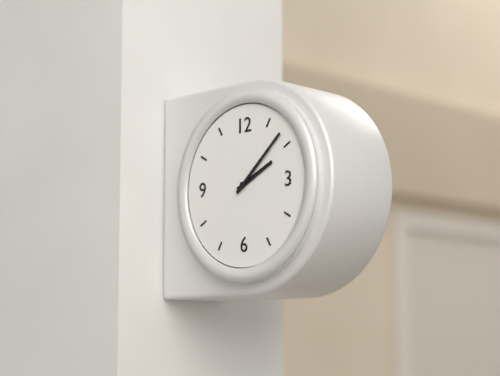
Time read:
2 h 08 min
